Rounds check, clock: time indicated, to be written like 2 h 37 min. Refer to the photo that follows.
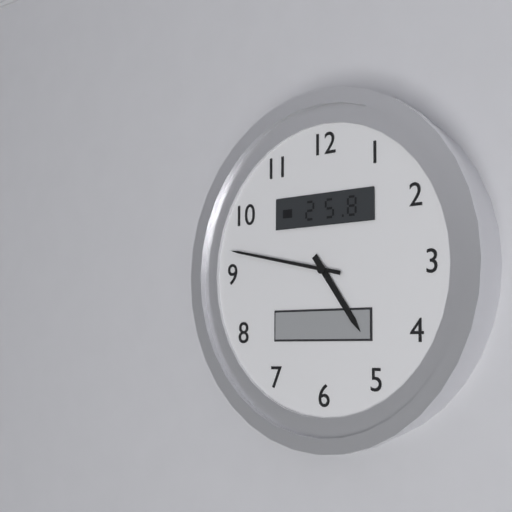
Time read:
4 h 47 min
